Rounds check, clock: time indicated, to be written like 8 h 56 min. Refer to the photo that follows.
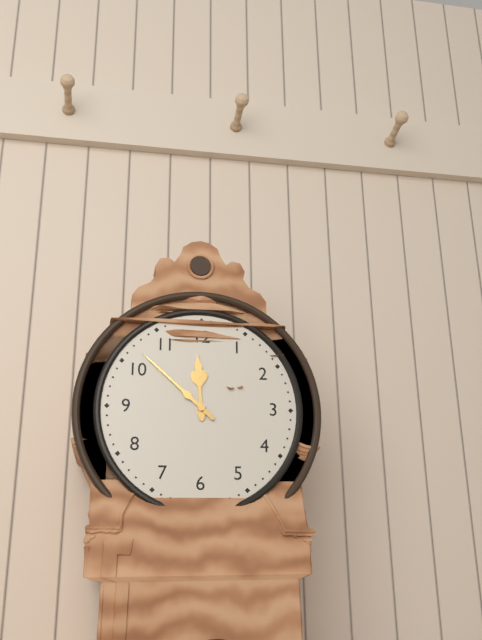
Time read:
11 h 52 min
